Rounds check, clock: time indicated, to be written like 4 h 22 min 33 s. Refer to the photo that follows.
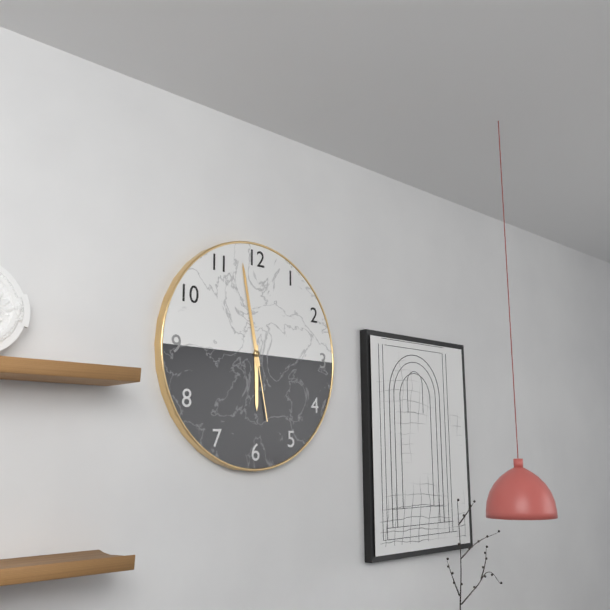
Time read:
5 h 58 min 58 s
